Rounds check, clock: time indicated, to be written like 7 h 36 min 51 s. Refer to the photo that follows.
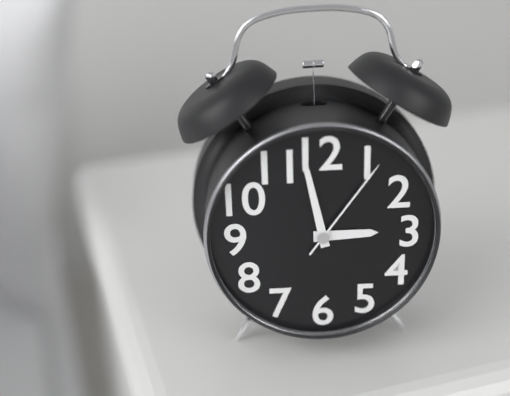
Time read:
2 h 58 min 06 s
